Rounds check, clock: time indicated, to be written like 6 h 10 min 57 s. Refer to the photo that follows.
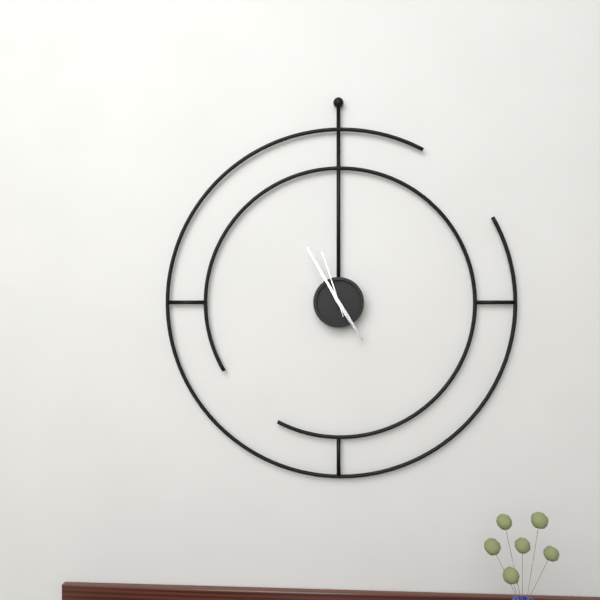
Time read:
4 h 55 min 57 s
